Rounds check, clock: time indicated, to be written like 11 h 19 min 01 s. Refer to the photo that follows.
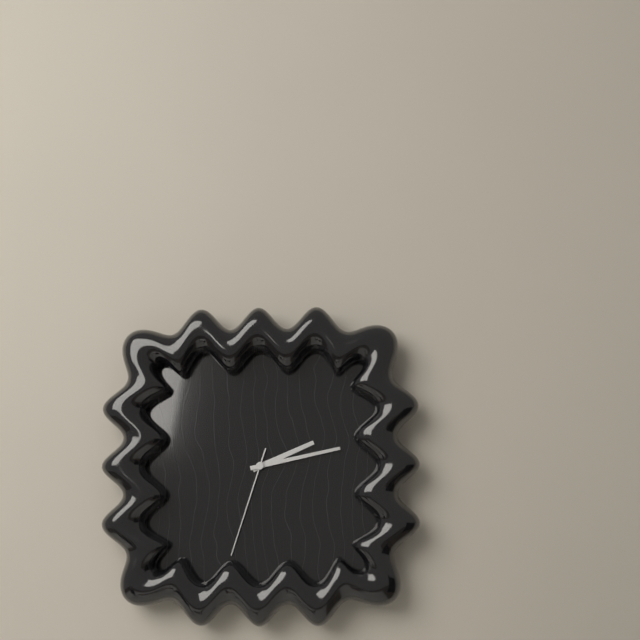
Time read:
2 h 13 min 33 s
